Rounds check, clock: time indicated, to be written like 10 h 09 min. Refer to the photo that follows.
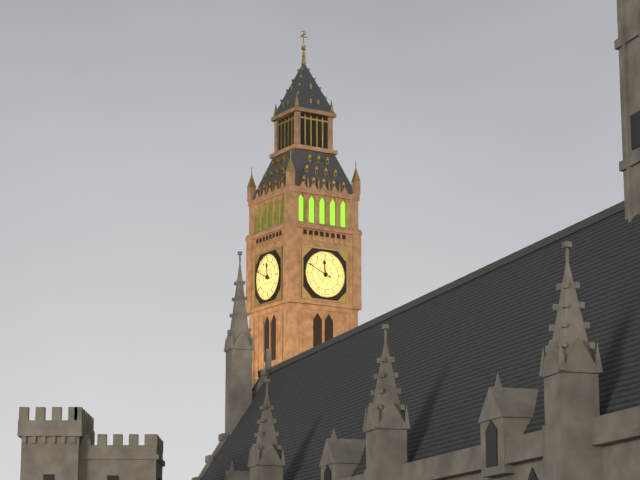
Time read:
11 h 49 min
